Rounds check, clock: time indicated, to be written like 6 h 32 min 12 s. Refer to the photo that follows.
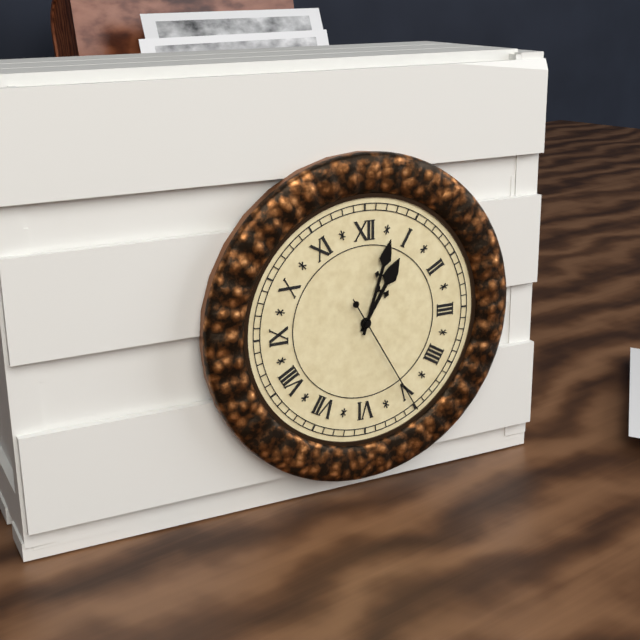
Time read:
1 h 03 min 25 s
